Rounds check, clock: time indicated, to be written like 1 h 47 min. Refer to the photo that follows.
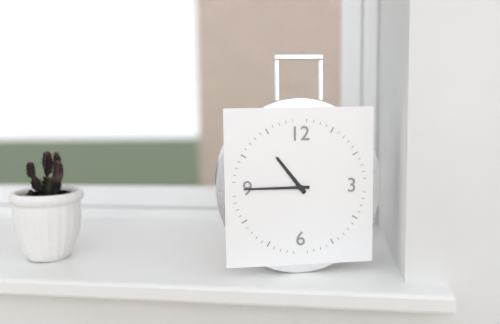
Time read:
10 h 45 min
